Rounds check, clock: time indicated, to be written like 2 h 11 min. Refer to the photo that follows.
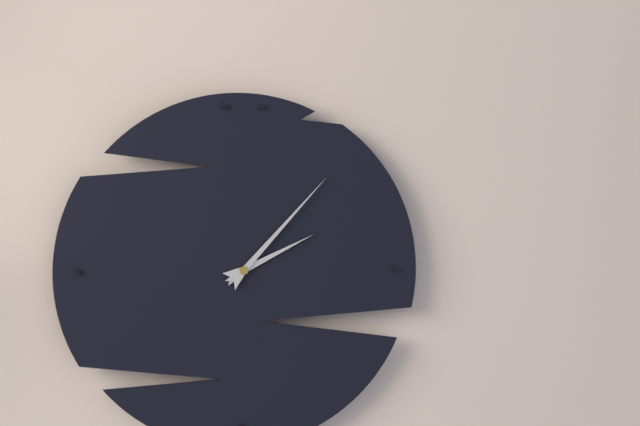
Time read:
2 h 07 min
